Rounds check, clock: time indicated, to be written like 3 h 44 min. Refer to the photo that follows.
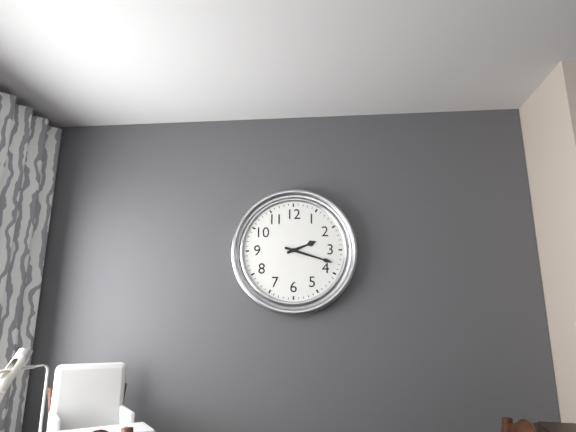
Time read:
2 h 18 min
